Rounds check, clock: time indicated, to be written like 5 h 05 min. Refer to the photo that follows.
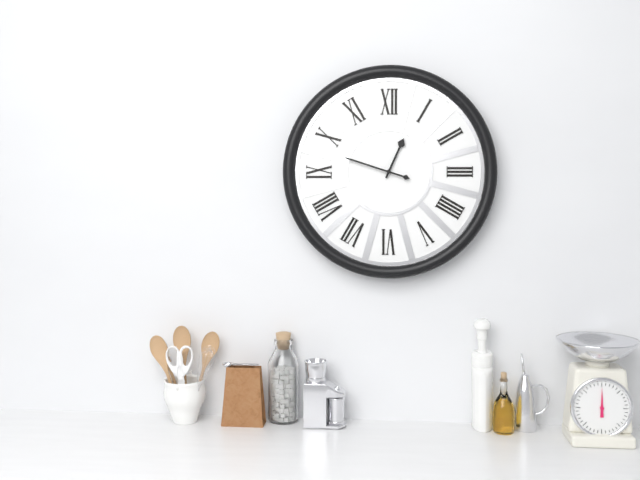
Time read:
12 h 48 min
